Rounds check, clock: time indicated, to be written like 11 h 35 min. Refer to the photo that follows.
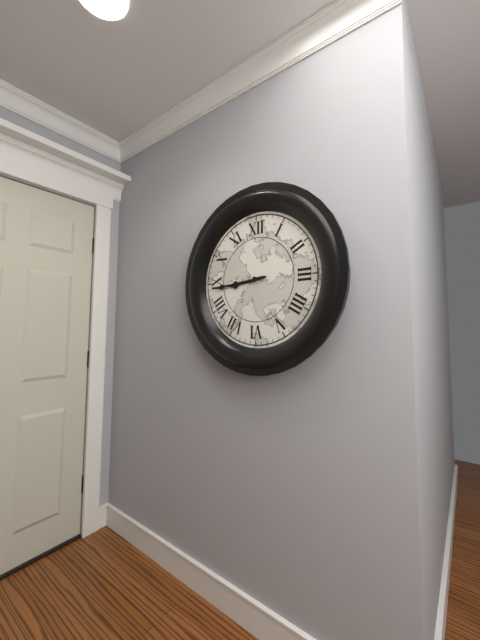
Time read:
8 h 44 min
